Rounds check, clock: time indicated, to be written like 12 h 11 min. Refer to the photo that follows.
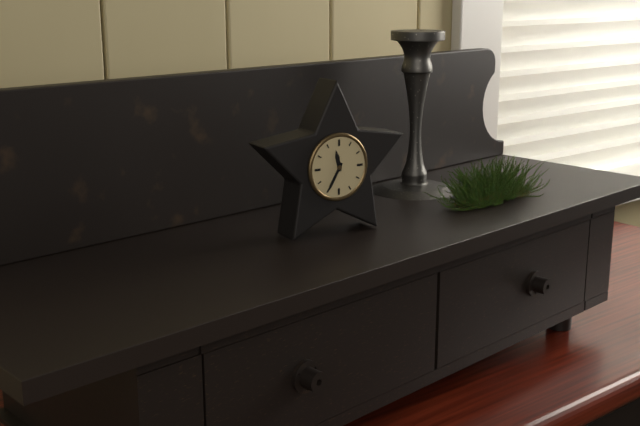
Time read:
11 h 35 min
